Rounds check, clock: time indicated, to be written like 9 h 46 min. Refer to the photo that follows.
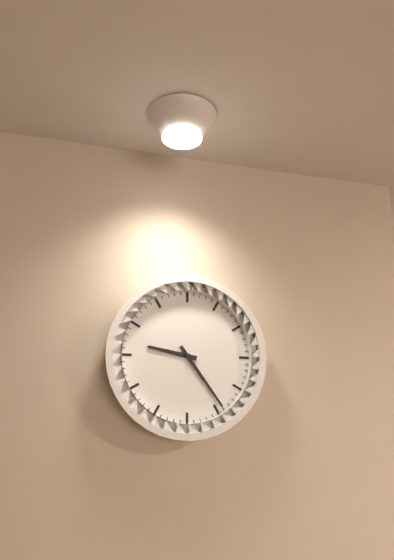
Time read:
9 h 24 min
